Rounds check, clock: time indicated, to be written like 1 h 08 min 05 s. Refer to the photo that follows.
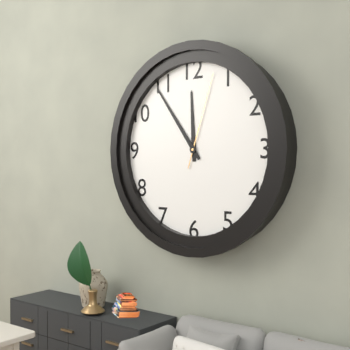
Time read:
11 h 54 min 03 s
